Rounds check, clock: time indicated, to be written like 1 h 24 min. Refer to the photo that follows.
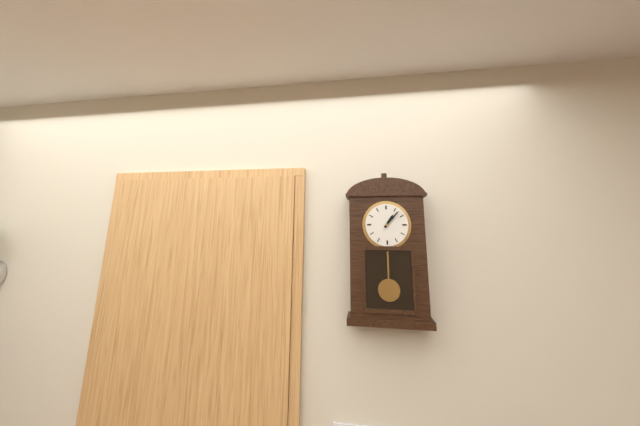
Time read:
1 h 07 min
